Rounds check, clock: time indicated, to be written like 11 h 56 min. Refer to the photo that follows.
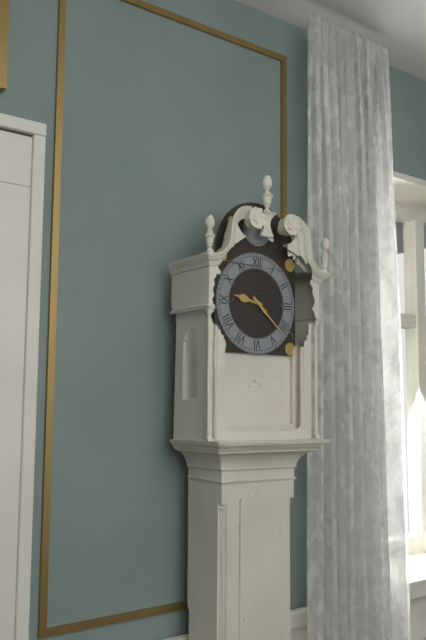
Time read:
9 h 22 min
